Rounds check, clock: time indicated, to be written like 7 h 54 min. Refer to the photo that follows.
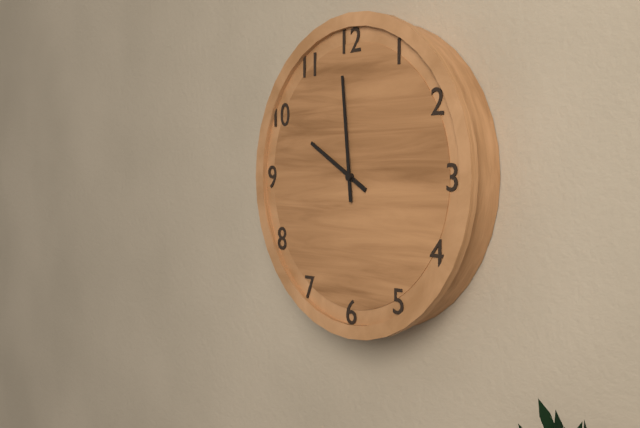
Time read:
9 h 59 min
